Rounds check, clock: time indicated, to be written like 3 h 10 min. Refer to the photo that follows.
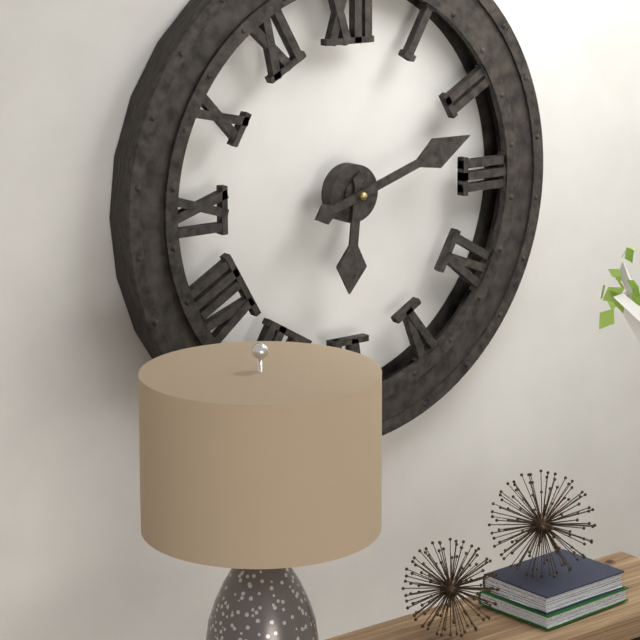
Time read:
6 h 12 min
